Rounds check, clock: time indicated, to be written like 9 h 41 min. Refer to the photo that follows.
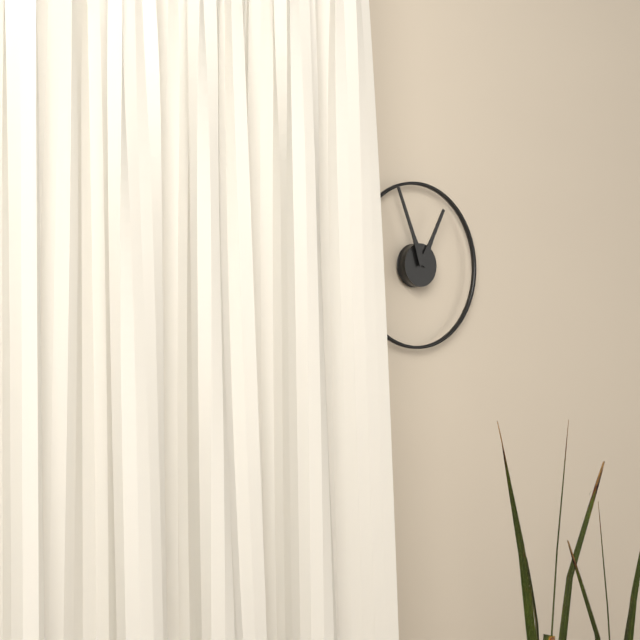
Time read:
12 h 56 min
